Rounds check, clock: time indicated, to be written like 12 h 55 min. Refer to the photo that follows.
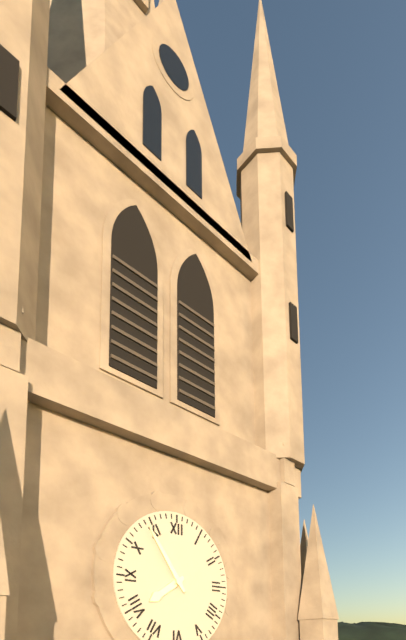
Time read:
7 h 54 min
